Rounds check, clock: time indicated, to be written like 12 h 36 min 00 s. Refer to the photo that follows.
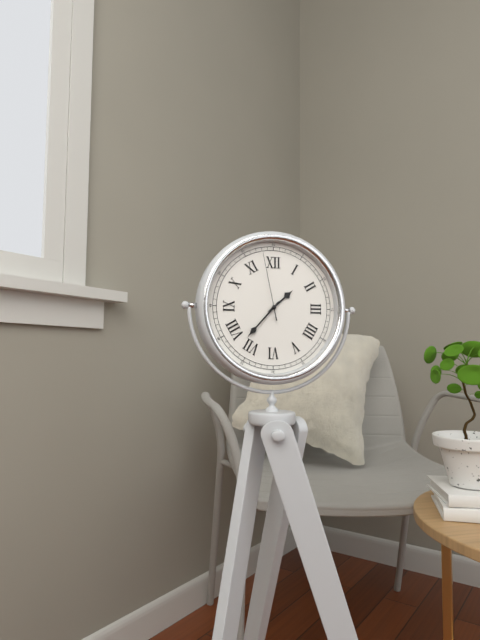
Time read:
1 h 37 min 58 s
